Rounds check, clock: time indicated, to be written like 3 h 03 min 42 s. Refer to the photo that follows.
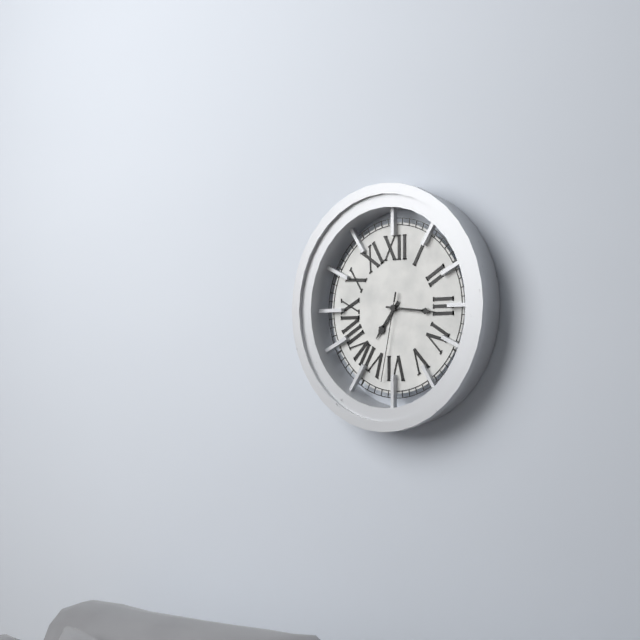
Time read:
7 h 16 min 32 s
